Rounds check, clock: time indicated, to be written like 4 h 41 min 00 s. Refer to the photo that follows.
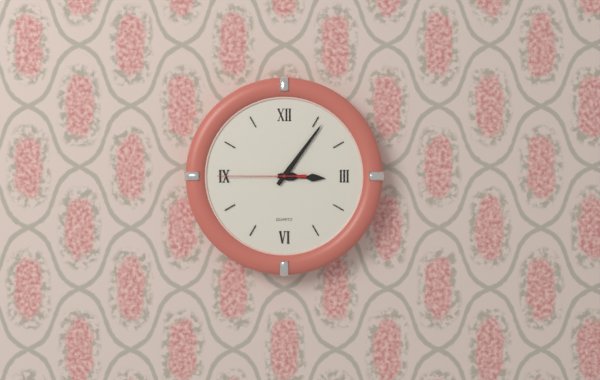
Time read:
3 h 06 min 45 s
